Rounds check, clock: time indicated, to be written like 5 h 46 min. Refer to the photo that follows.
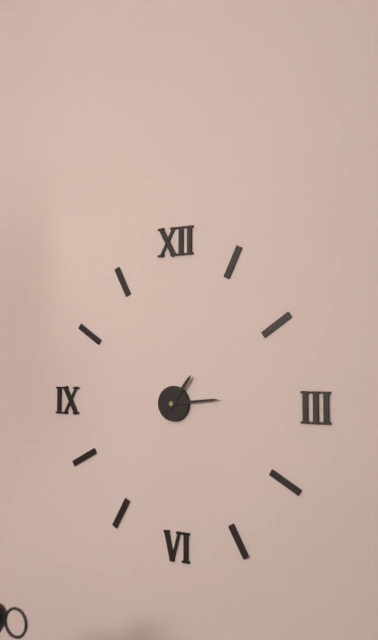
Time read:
1 h 14 min
